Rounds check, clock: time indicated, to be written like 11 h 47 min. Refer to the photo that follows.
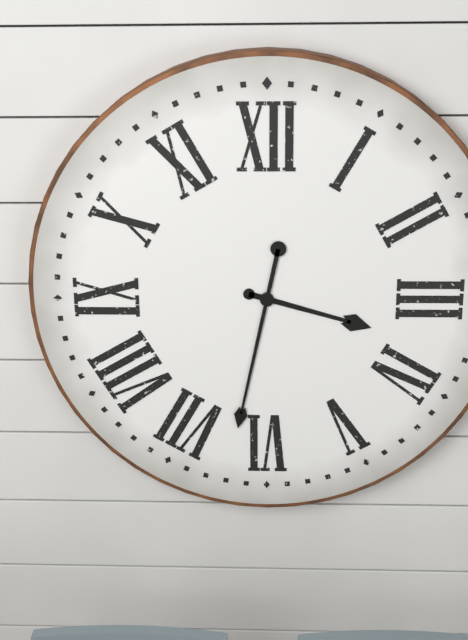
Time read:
3 h 32 min
